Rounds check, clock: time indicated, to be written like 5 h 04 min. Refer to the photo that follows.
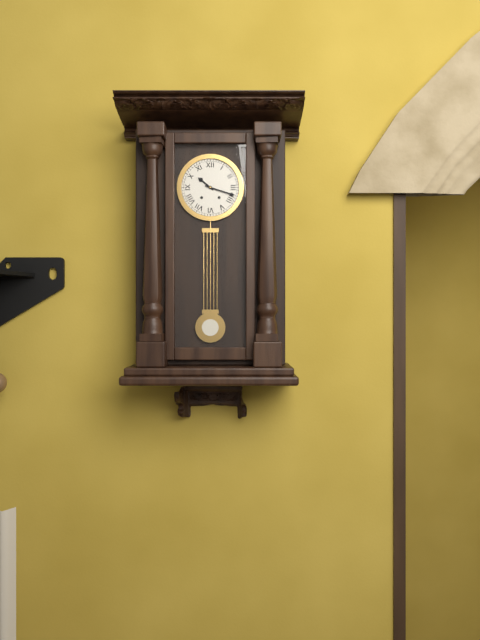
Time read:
10 h 18 min
